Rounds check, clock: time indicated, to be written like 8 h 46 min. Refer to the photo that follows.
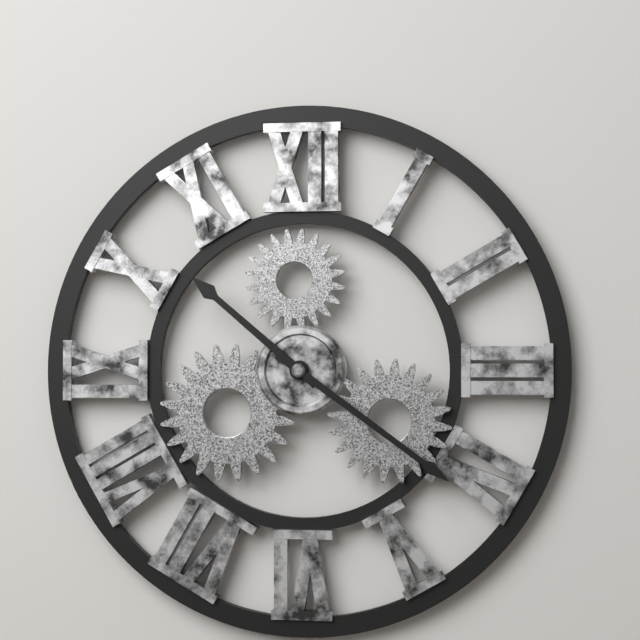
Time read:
10 h 21 min
